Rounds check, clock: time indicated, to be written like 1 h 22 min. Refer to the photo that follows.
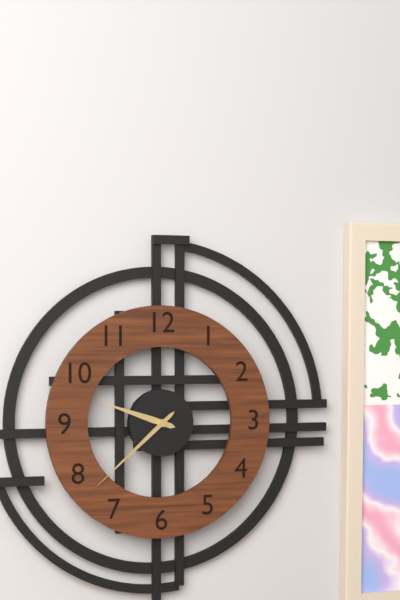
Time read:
9 h 38 min
